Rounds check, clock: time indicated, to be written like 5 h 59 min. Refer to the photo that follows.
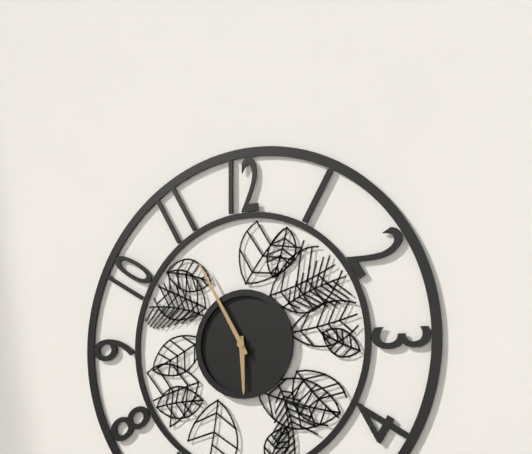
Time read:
5 h 55 min
